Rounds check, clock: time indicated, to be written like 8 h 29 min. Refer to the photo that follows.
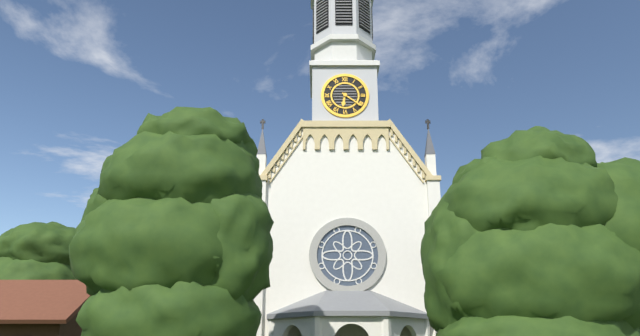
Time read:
6 h 21 min
